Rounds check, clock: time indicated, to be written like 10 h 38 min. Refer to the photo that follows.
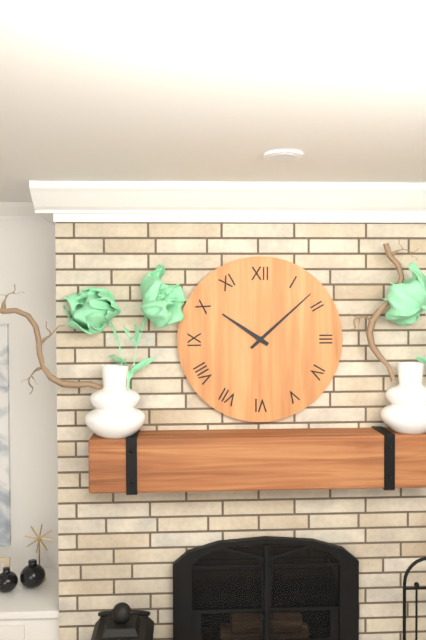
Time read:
10 h 08 min
